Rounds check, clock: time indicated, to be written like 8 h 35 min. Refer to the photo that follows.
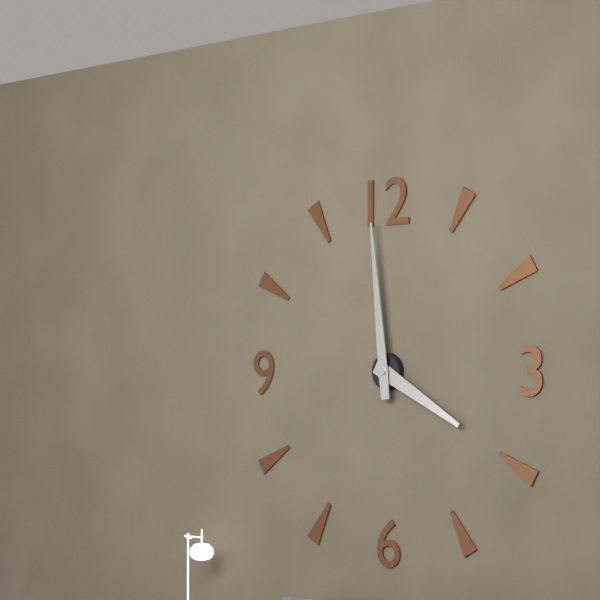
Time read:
3 h 59 min
